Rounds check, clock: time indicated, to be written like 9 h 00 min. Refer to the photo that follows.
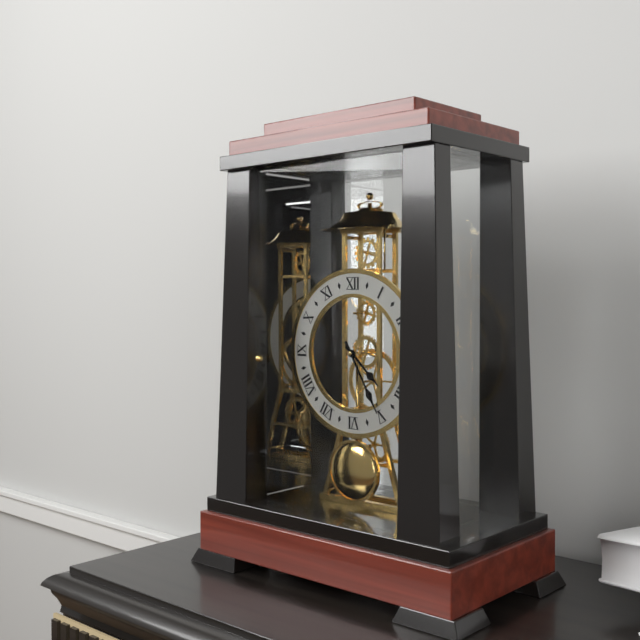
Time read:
4 h 25 min
